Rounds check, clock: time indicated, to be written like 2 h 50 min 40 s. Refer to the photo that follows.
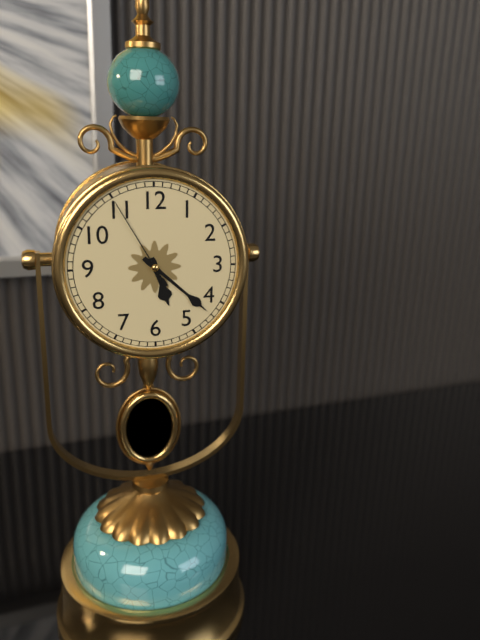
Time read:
5 h 22 min 55 s
